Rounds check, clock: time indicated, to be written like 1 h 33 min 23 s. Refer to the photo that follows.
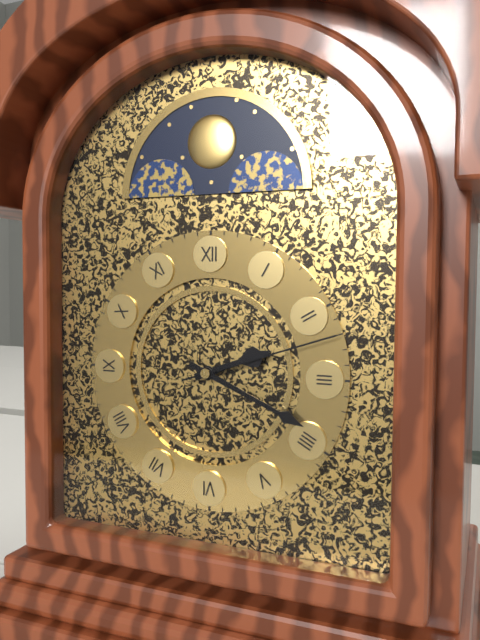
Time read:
2 h 19 min 12 s
